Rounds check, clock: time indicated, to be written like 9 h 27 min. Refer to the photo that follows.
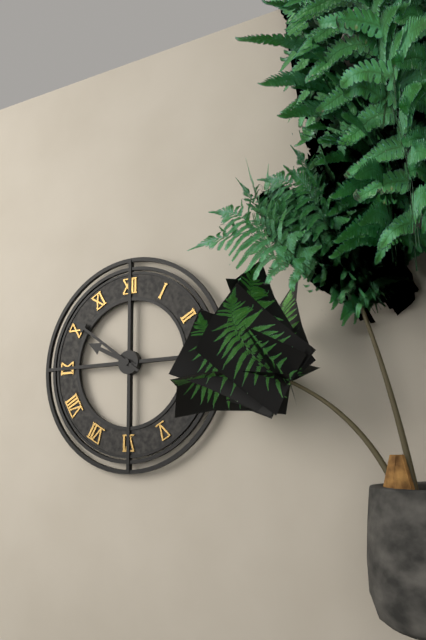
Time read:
9 h 51 min
